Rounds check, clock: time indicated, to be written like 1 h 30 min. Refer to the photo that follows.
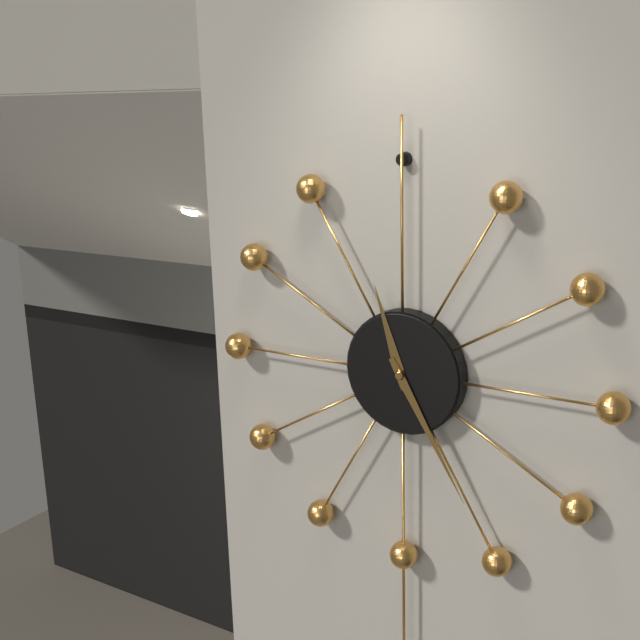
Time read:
11 h 25 min
